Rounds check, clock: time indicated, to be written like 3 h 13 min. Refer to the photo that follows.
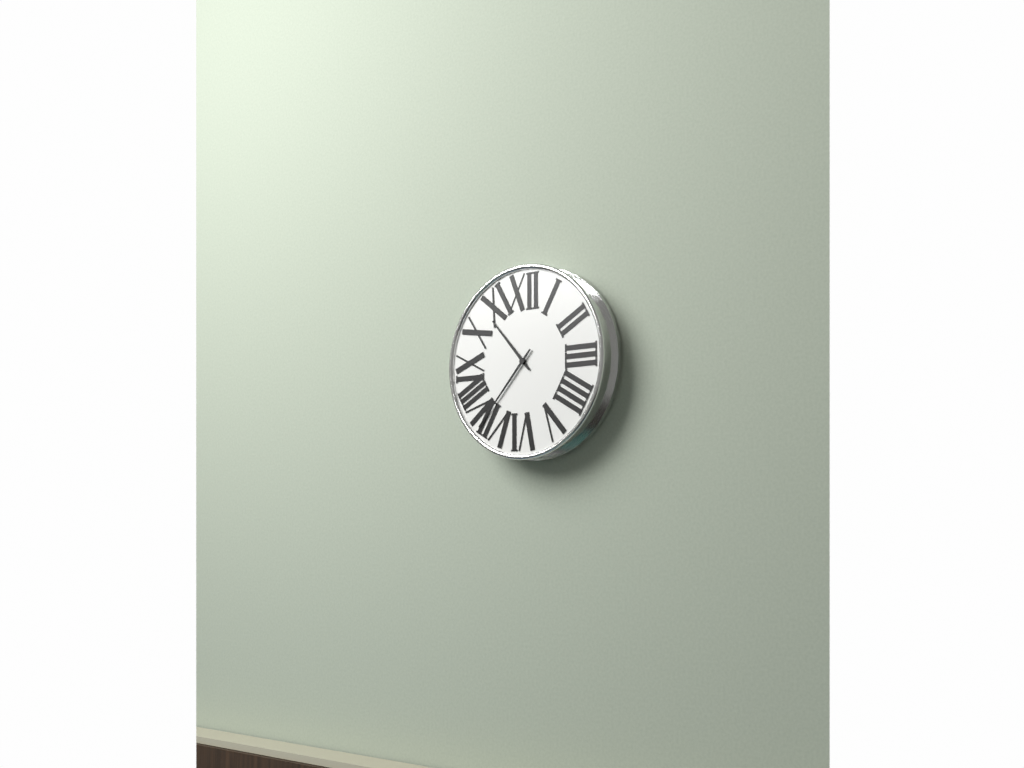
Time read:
10 h 37 min
